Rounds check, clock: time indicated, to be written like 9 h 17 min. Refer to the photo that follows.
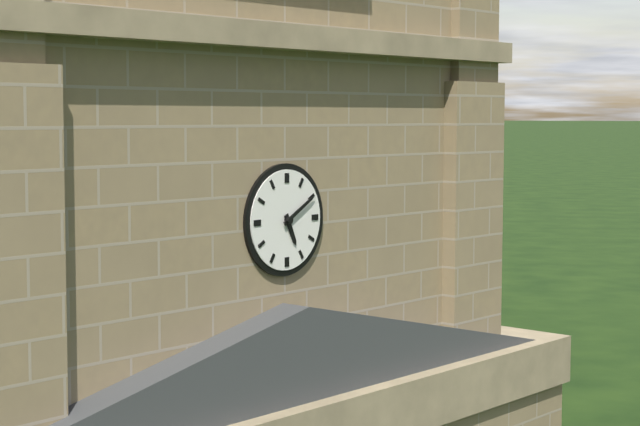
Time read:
5 h 10 min
